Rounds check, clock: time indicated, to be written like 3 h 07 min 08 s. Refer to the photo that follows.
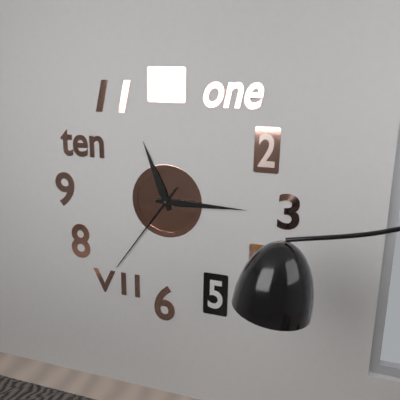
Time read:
11 h 15 min 36 s
